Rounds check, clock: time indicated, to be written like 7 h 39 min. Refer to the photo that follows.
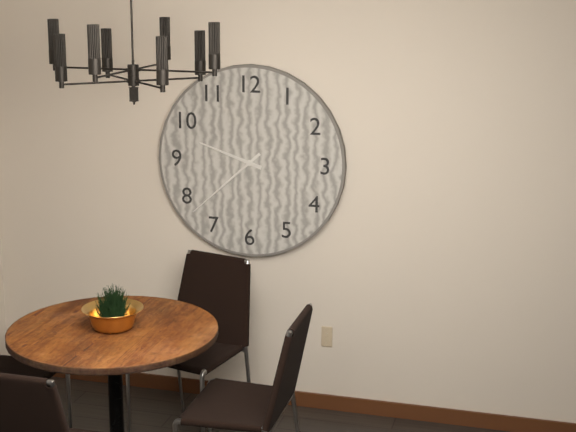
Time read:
9 h 38 min
